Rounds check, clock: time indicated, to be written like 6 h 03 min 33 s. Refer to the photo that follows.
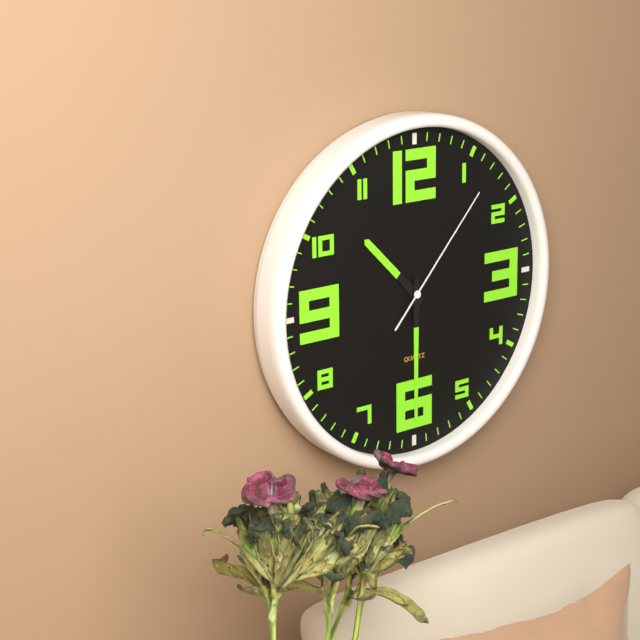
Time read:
10 h 30 min 07 s
